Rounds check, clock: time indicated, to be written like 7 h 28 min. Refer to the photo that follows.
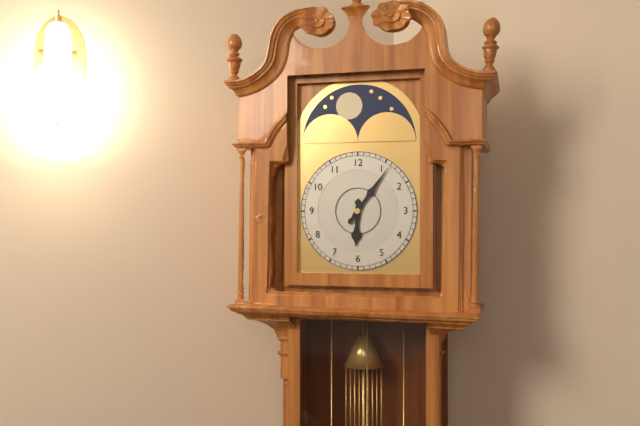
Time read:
6 h 06 min
